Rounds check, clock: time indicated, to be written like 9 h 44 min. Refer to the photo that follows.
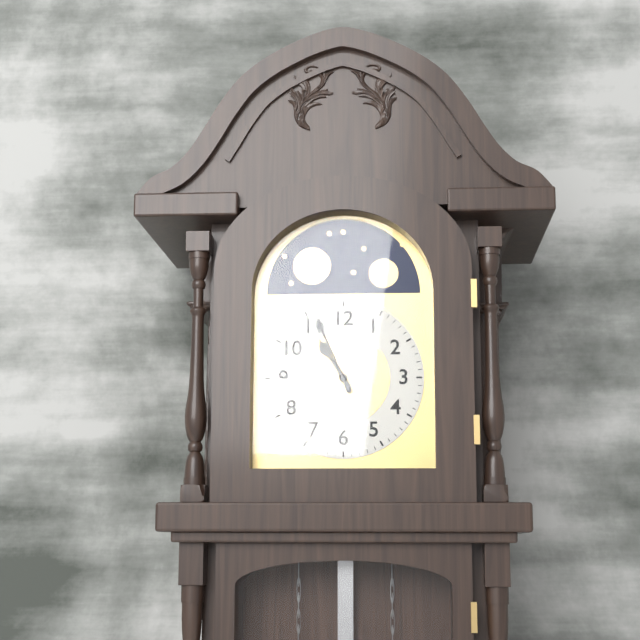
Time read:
10 h 56 min
